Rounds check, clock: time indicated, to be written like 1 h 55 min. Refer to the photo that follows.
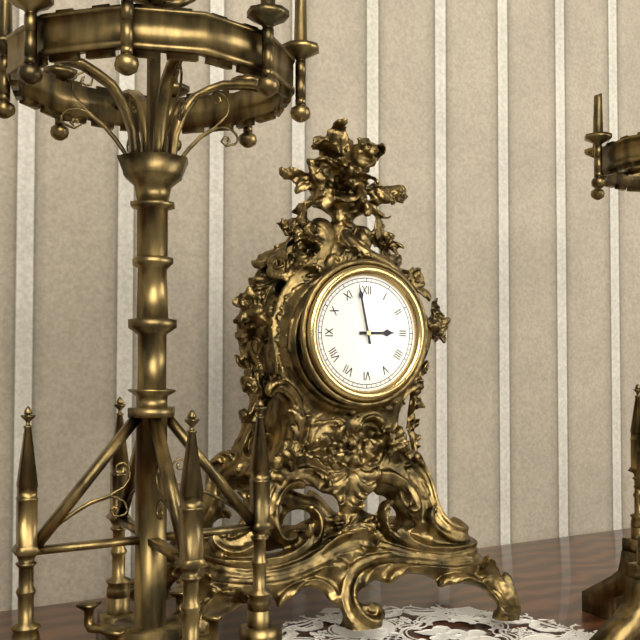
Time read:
2 h 58 min
